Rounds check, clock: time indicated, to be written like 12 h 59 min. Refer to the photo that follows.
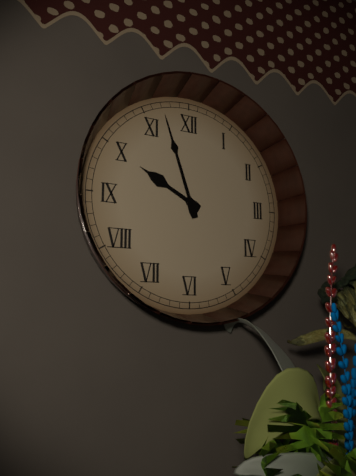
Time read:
9 h 57 min
